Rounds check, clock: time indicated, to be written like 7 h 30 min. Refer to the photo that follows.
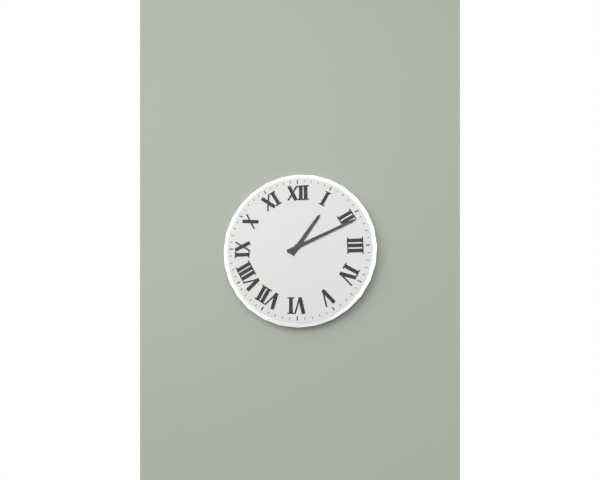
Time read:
1 h 11 min
